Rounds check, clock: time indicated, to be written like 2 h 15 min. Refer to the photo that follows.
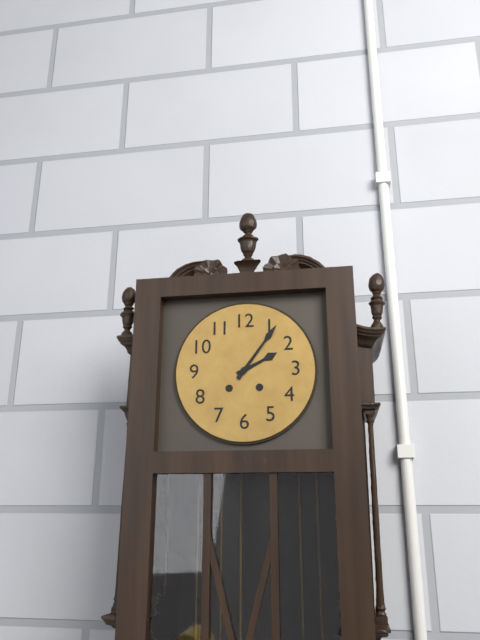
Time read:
2 h 06 min
